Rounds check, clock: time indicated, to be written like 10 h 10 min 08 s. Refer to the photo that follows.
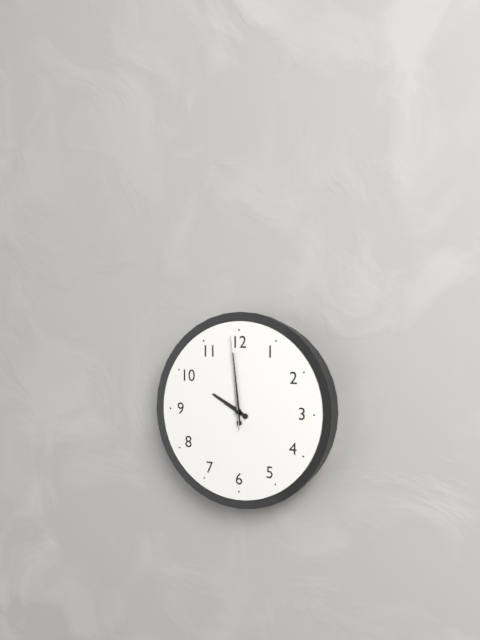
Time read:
9 h 59 min 59 s
